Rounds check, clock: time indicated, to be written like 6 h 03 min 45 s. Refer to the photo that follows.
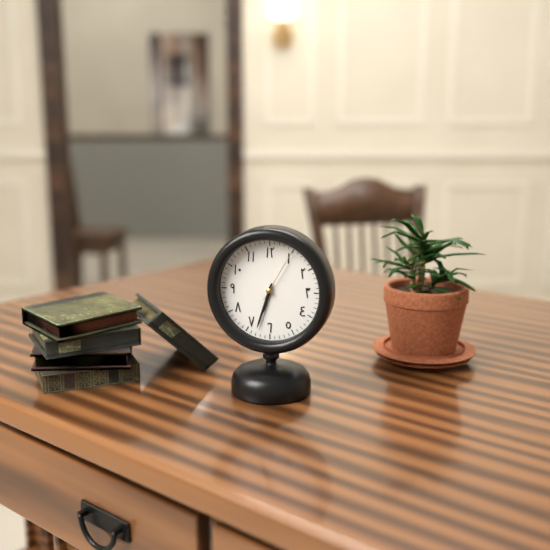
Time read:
6 h 33 min 05 s
